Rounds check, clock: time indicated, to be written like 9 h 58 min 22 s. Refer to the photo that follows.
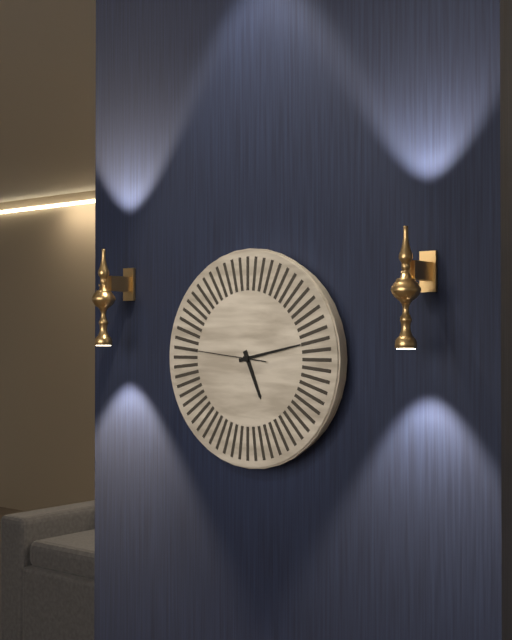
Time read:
5 h 13 min 46 s
